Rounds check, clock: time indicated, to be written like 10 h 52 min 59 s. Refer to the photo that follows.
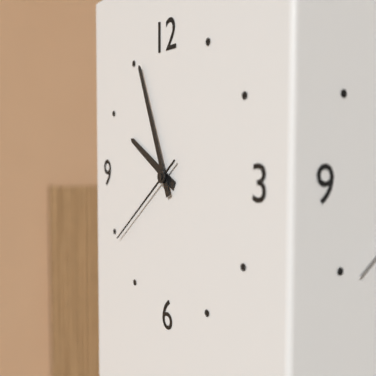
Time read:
9 h 56 min 39 s
